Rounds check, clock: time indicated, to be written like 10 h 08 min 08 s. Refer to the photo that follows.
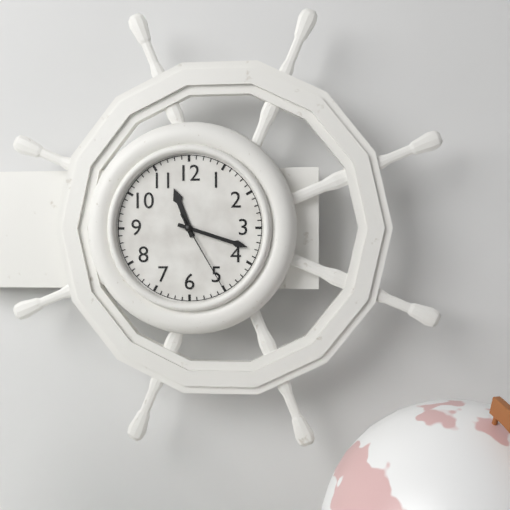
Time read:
11 h 18 min 25 s
